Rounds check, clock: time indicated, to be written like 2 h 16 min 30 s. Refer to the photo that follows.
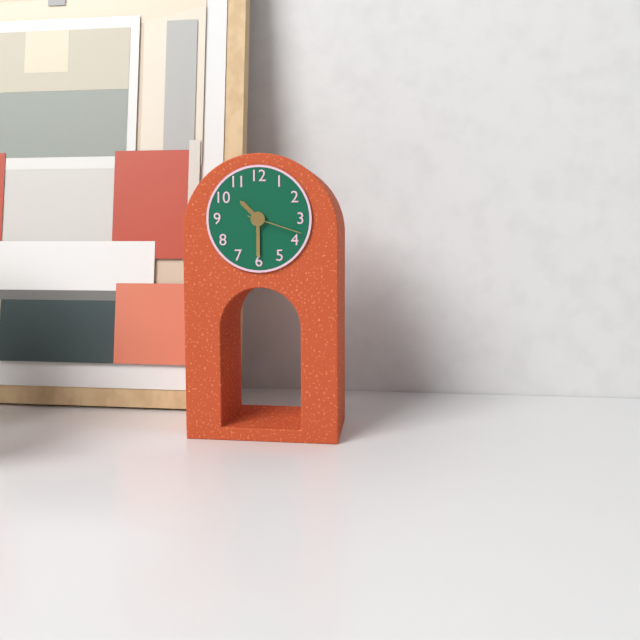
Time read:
10 h 30 min 18 s
